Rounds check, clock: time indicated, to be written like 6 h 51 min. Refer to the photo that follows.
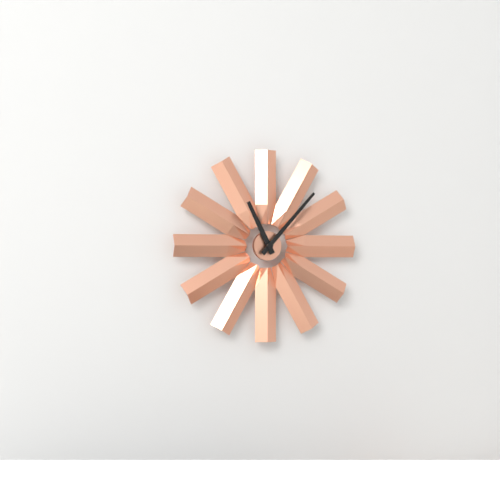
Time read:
11 h 07 min
